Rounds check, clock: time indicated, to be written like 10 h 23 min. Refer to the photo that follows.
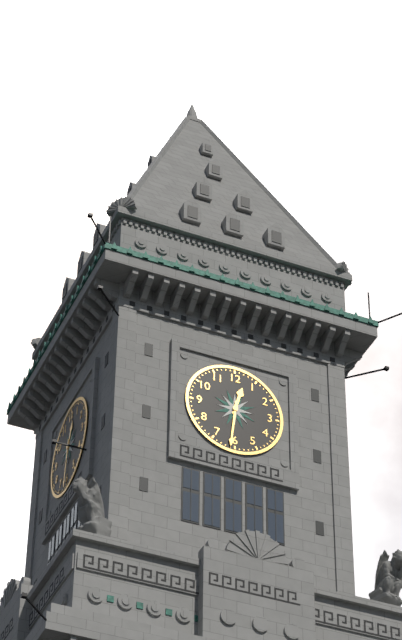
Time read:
12 h 31 min
